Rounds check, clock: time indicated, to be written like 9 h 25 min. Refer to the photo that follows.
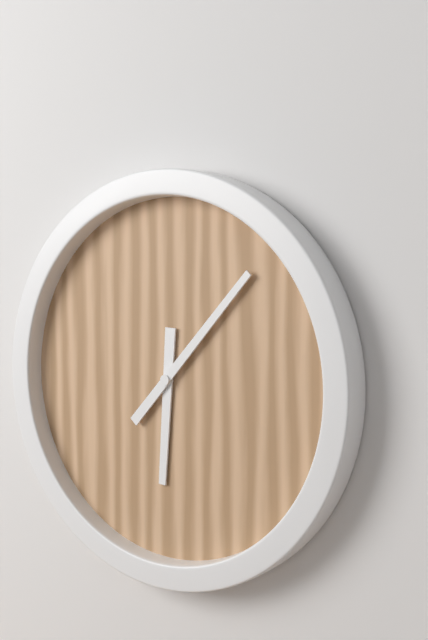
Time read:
6 h 07 min
